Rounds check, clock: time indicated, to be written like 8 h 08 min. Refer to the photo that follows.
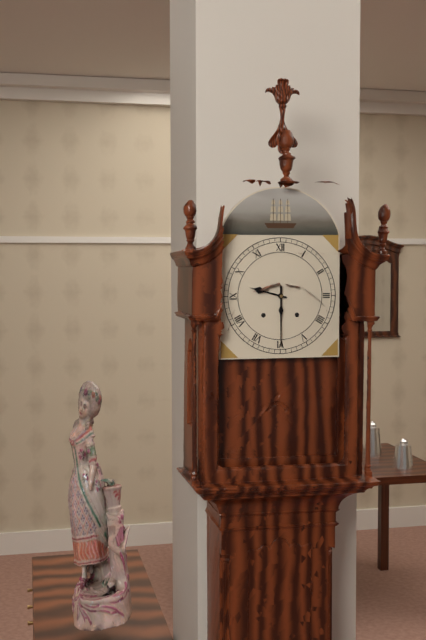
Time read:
9 h 30 min
